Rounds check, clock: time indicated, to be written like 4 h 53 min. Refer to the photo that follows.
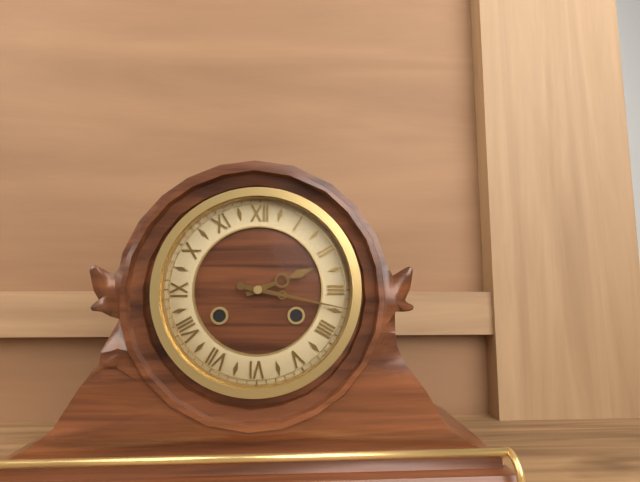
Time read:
2 h 17 min
